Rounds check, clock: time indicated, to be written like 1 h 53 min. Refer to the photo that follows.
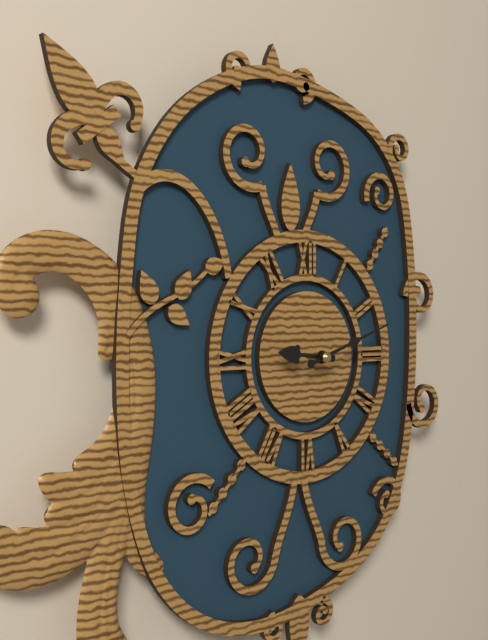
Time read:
9 h 12 min
